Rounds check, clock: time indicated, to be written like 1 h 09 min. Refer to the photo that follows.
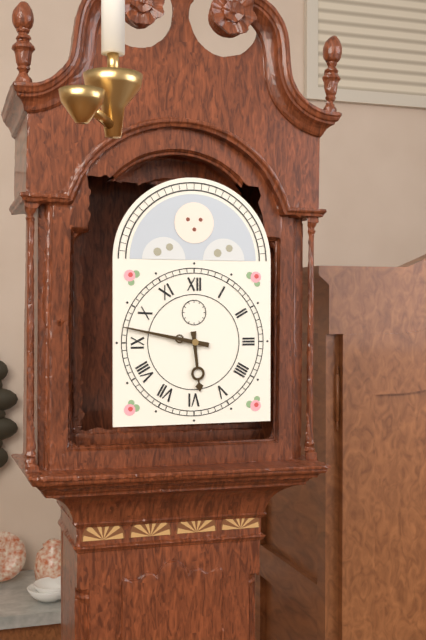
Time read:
5 h 47 min
